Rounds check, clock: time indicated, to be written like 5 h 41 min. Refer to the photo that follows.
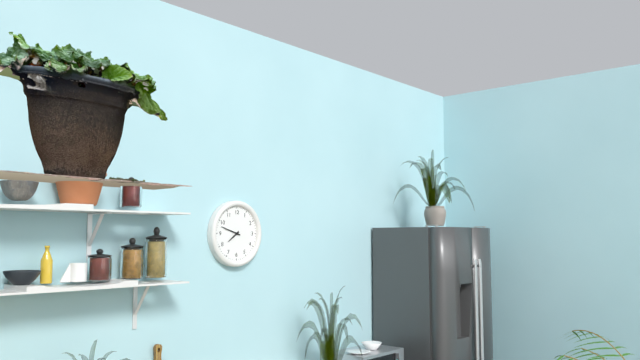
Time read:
7 h 48 min
